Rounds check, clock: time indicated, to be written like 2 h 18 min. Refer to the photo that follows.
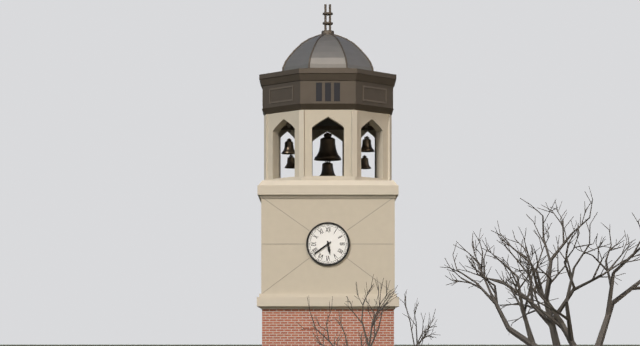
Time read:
5 h 39 min
